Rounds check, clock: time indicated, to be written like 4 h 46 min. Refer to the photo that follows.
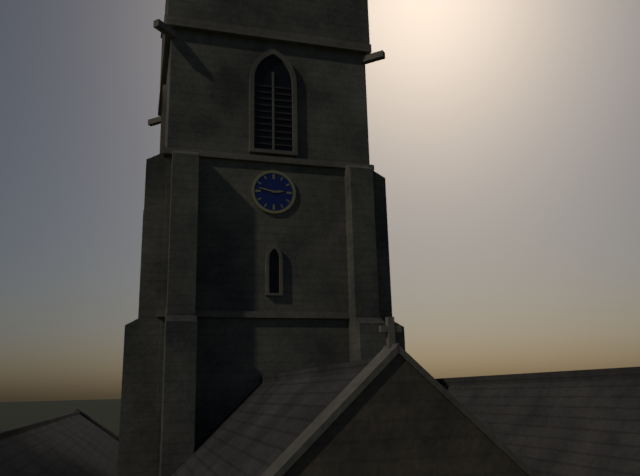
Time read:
2 h 47 min
